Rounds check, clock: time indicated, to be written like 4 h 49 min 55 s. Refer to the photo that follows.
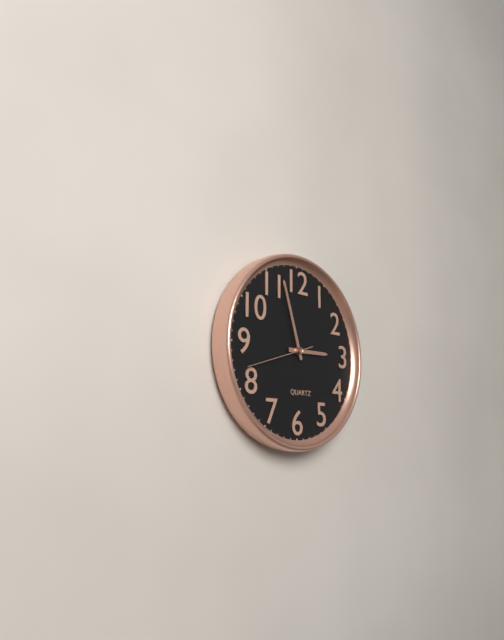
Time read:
2 h 57 min 42 s
